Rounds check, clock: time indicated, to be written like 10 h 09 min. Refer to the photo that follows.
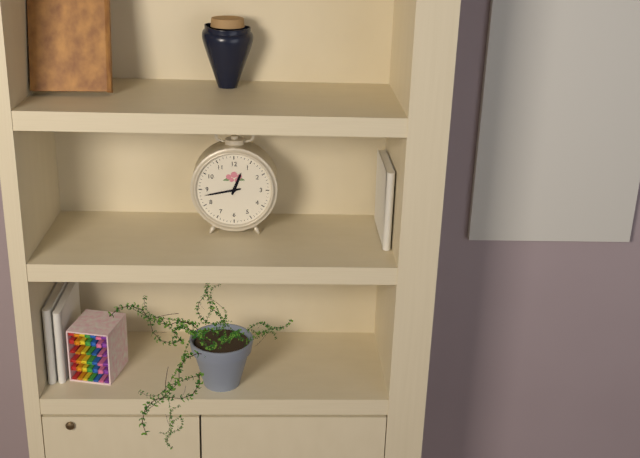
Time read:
12 h 43 min
